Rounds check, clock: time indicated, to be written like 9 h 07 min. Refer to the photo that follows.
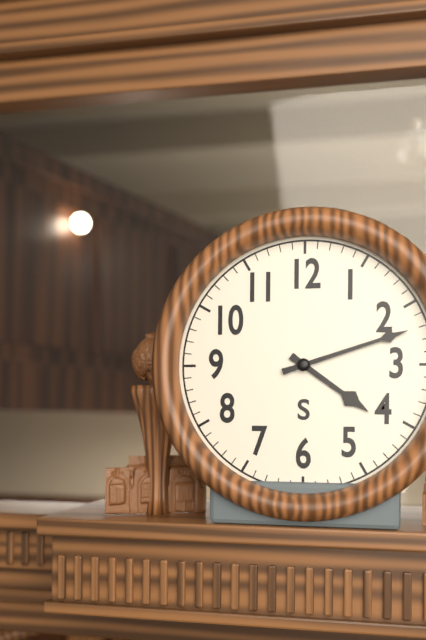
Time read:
4 h 12 min
